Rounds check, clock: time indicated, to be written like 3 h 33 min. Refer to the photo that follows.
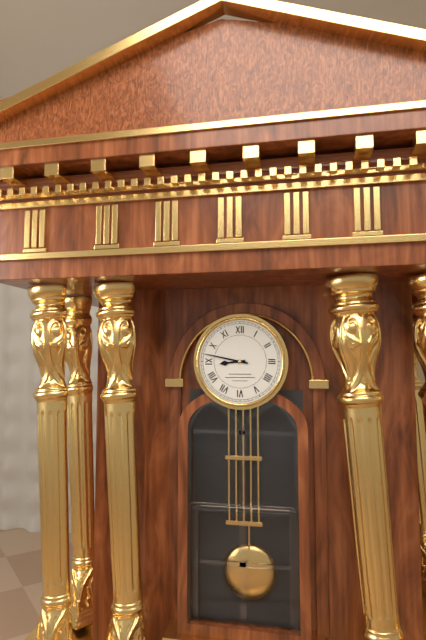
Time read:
8 h 47 min
